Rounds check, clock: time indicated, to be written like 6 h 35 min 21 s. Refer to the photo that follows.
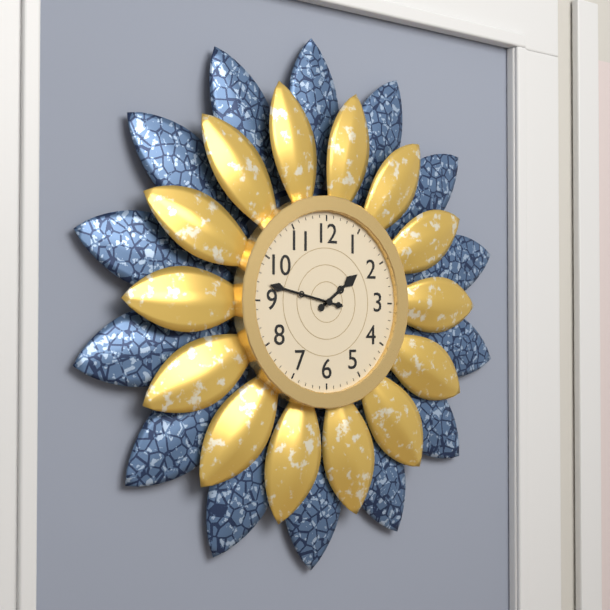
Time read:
1 h 47 min 47 s
